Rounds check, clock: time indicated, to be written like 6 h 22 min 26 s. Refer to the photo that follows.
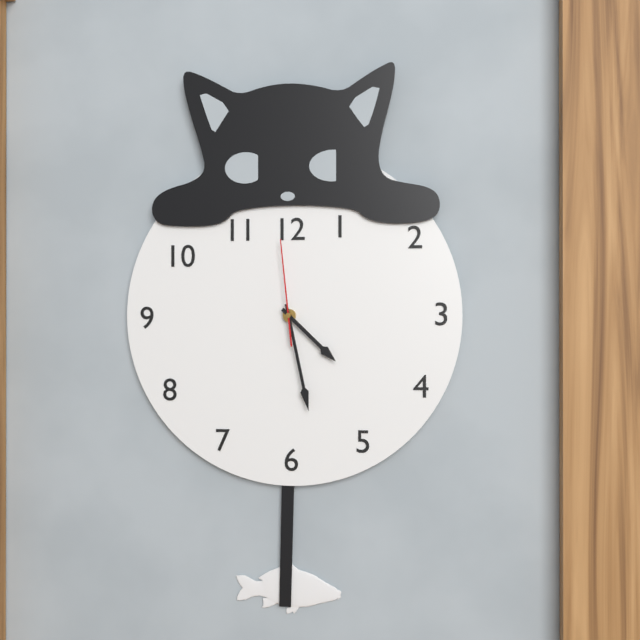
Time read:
4 h 28 min 59 s
